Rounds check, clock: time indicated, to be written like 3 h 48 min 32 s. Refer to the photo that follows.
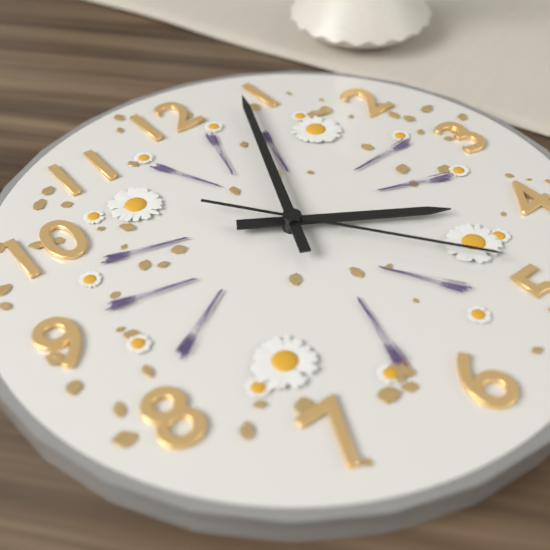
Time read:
4 h 04 min 24 s
